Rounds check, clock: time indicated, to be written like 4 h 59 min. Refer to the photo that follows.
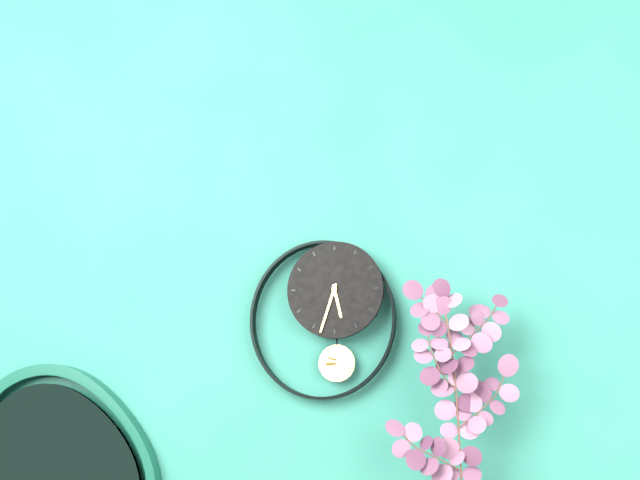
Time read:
5 h 33 min
